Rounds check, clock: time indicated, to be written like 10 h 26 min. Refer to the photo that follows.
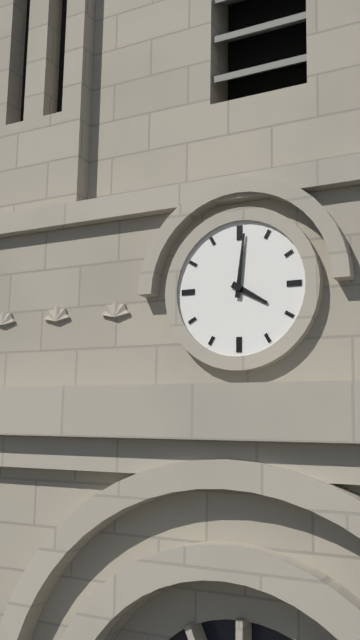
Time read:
4 h 01 min
